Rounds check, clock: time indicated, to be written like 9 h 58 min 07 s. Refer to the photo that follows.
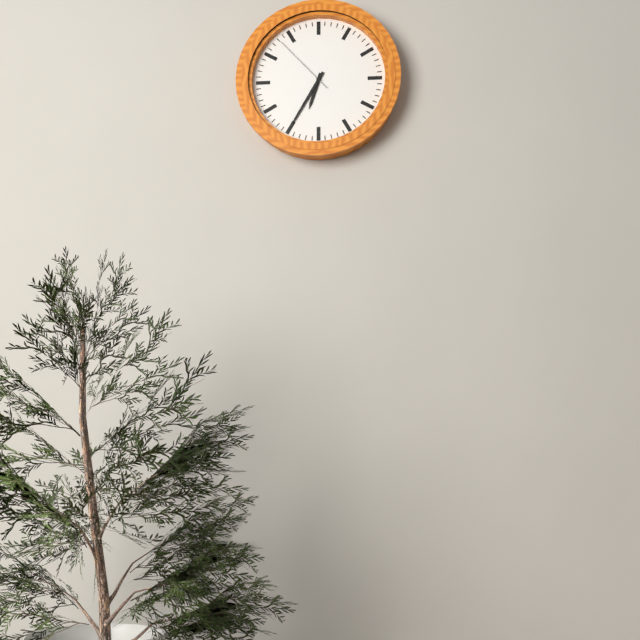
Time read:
6 h 35 min 53 s
